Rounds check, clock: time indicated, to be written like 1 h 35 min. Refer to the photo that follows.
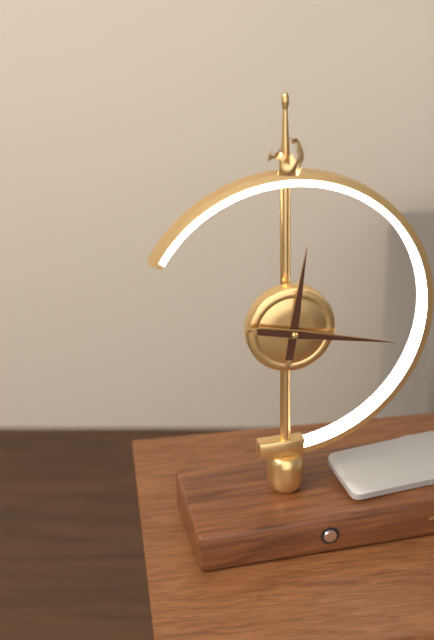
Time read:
12 h 17 min
